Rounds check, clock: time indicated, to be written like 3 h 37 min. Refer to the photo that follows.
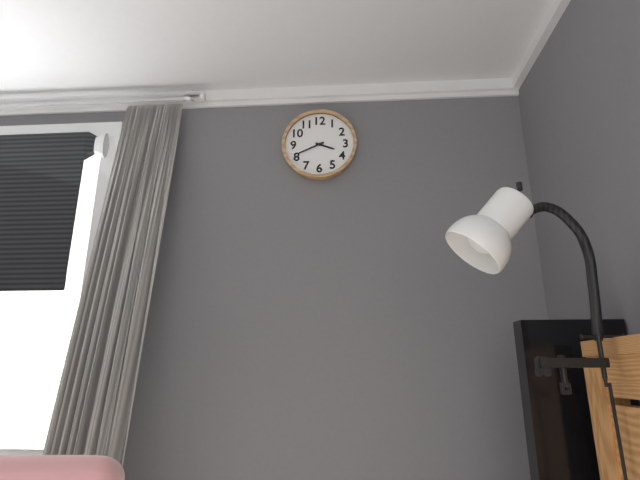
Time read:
3 h 41 min
